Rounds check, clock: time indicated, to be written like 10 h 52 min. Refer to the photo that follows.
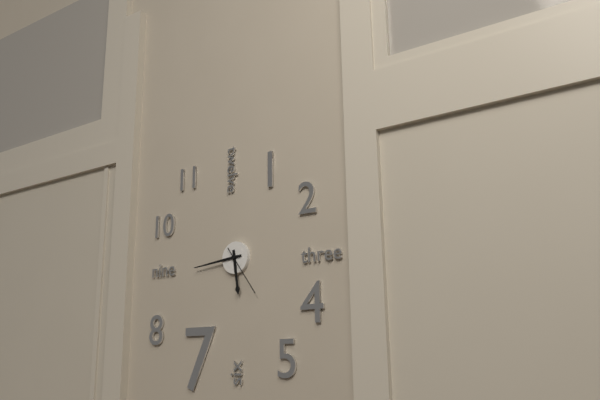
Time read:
5 h 44 min
